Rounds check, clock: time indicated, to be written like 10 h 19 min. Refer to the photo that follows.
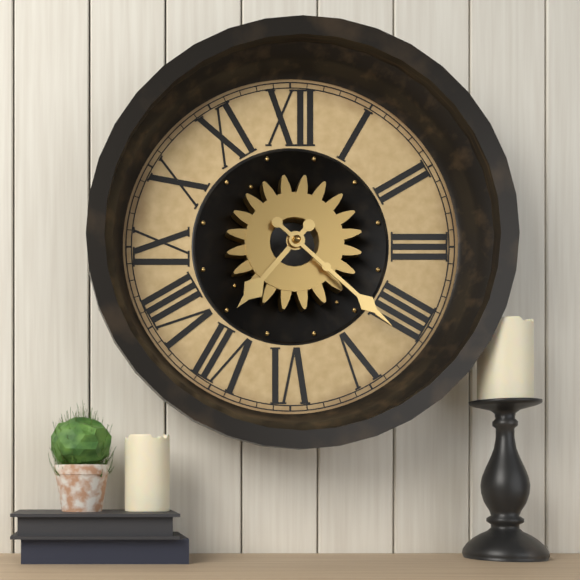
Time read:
7 h 22 min
